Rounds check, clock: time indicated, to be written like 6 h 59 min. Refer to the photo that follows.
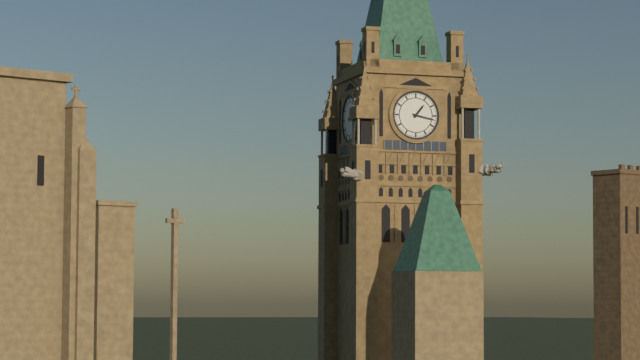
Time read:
1 h 17 min
